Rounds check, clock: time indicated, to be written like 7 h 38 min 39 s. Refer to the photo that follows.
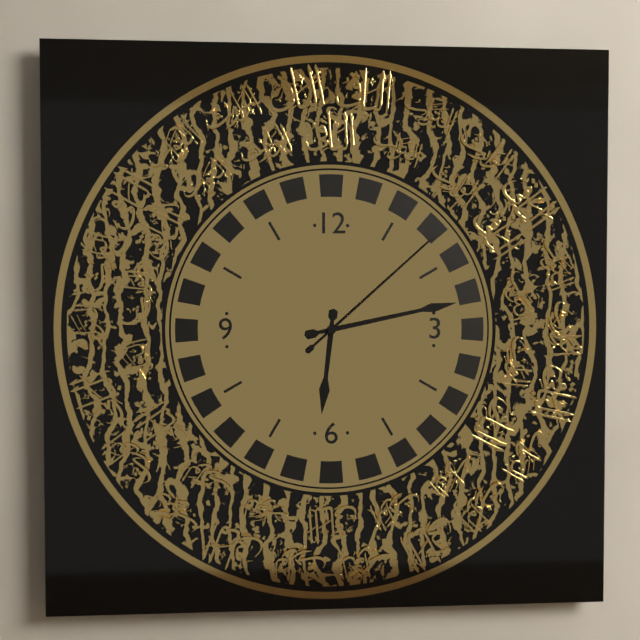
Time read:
6 h 13 min 08 s
